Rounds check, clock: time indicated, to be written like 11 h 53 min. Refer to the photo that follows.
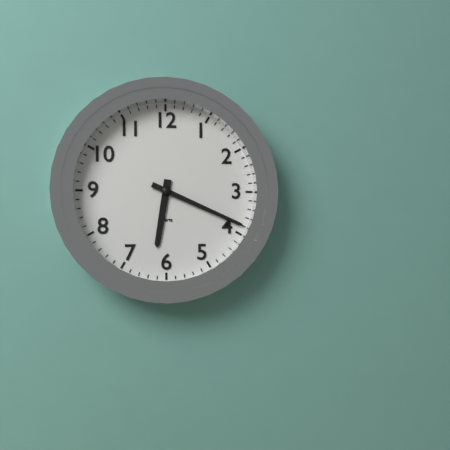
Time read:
6 h 19 min
